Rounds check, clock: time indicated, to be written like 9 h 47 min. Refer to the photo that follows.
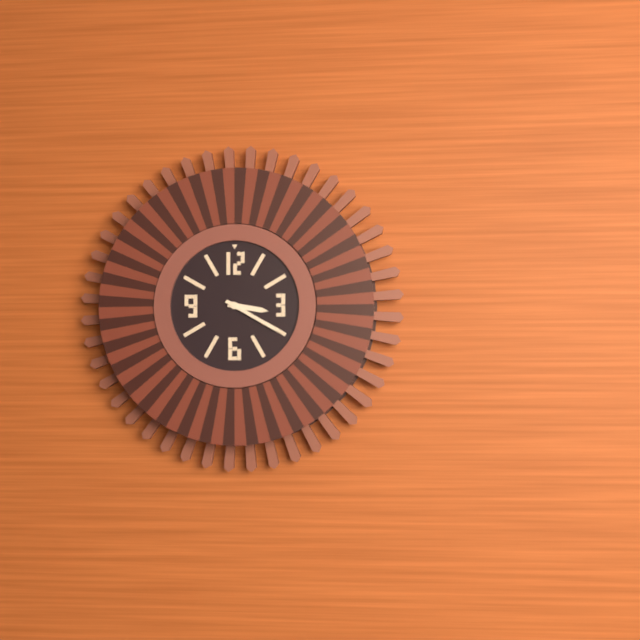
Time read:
3 h 20 min
